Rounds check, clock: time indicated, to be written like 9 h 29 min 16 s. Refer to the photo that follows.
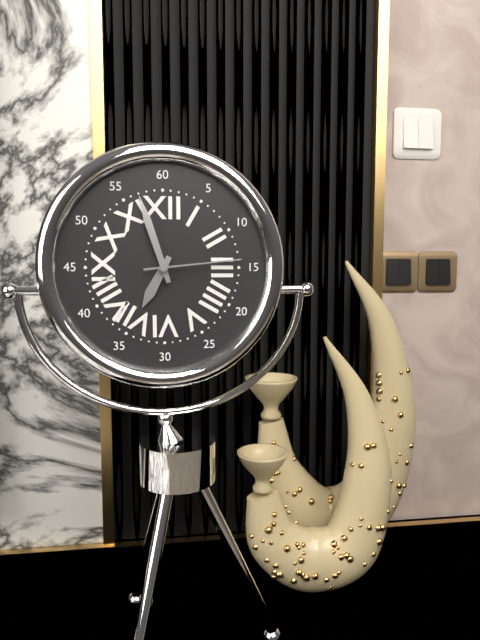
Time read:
6 h 57 min 14 s
